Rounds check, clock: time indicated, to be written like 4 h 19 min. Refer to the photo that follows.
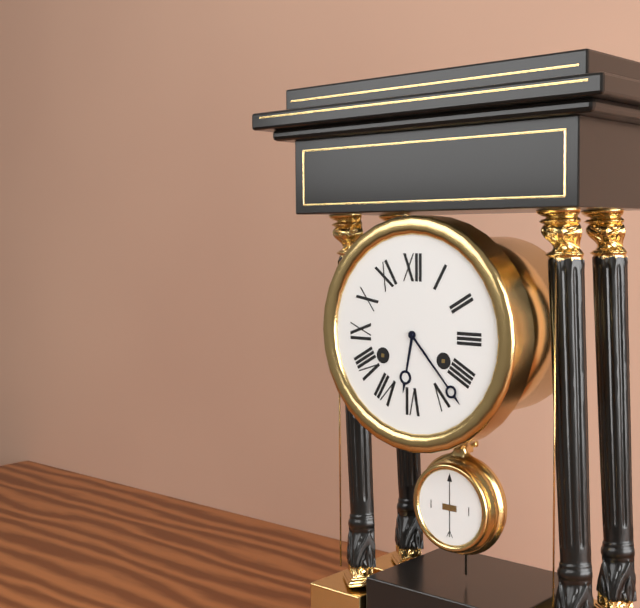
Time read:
6 h 23 min
